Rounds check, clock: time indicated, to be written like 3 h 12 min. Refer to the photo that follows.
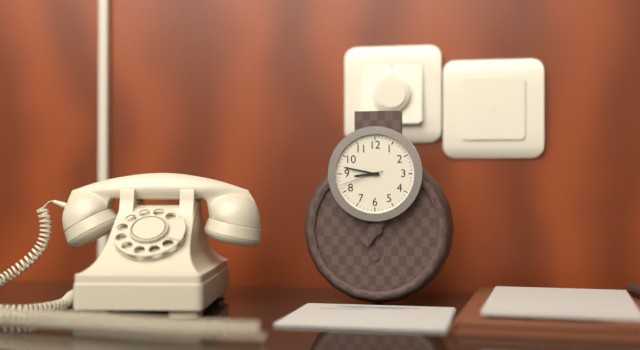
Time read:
8 h 47 min
